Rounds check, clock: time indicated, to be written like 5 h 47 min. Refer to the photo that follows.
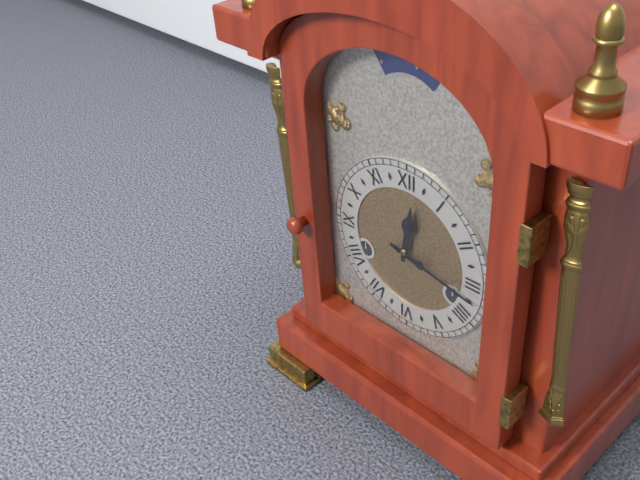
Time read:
12 h 17 min
